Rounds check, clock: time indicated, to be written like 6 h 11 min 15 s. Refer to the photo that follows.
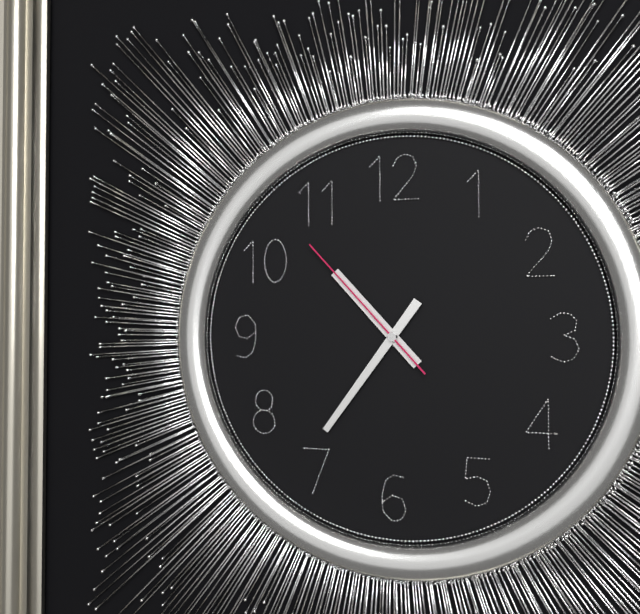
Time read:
10 h 36 min 53 s
